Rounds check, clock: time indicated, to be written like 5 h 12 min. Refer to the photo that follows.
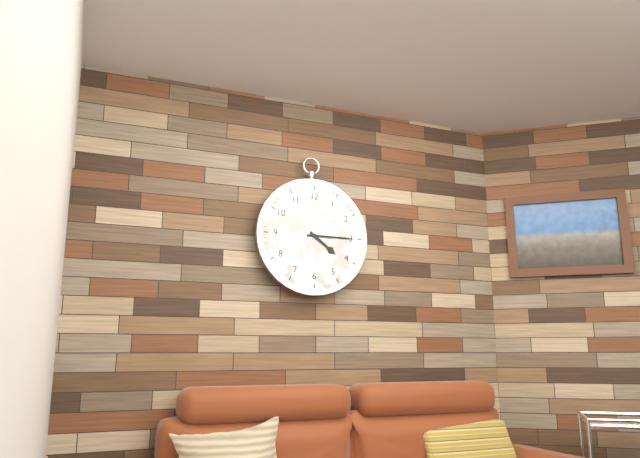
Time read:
4 h 15 min
